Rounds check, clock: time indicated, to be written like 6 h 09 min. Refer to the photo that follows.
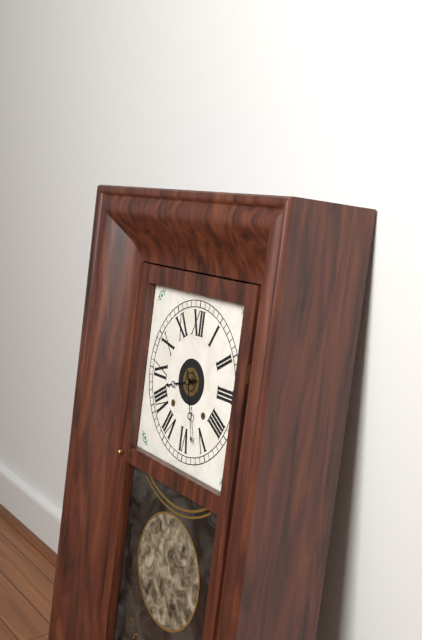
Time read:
8 h 27 min
